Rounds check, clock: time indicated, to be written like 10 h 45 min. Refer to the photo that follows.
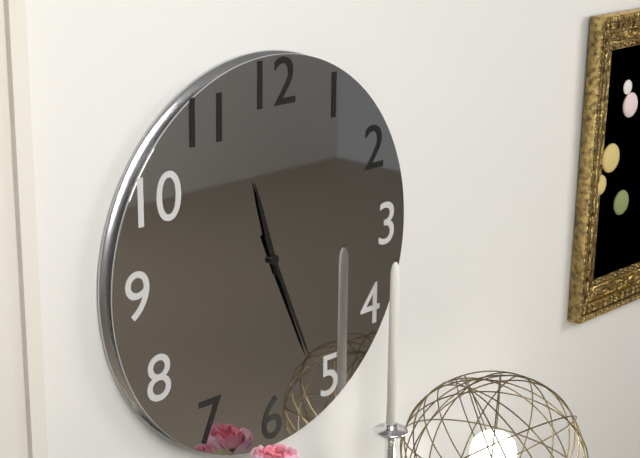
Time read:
11 h 26 min
